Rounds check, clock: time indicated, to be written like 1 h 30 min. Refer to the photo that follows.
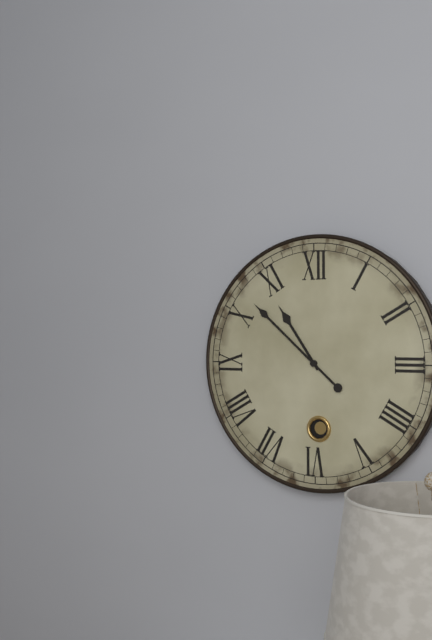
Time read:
10 h 52 min
